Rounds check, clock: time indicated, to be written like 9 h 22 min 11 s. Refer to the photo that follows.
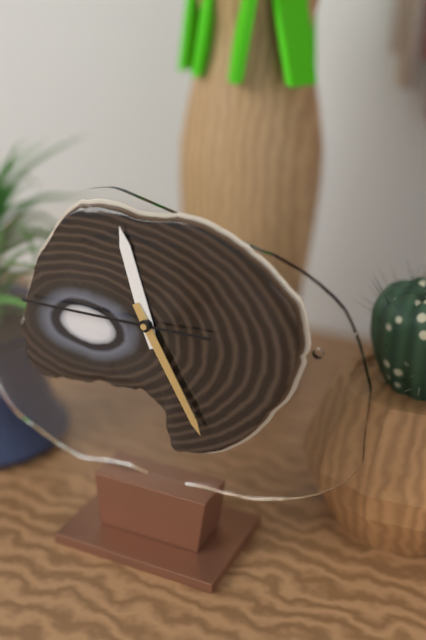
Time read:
11 h 25 min 45 s
